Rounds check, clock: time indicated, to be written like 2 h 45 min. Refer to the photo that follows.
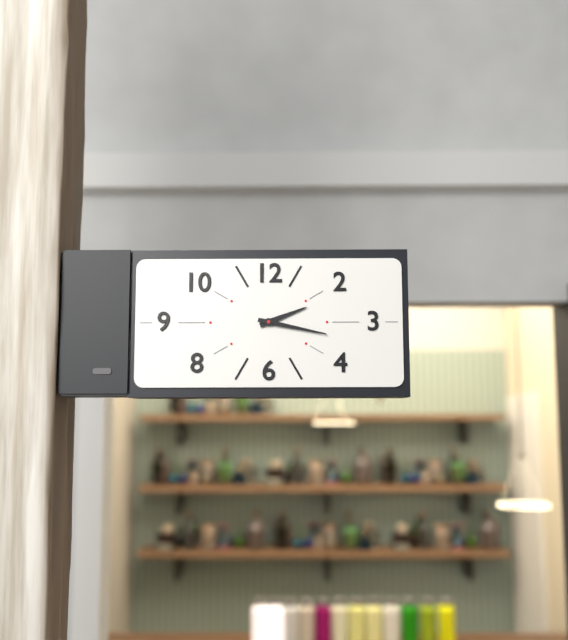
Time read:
2 h 17 min
